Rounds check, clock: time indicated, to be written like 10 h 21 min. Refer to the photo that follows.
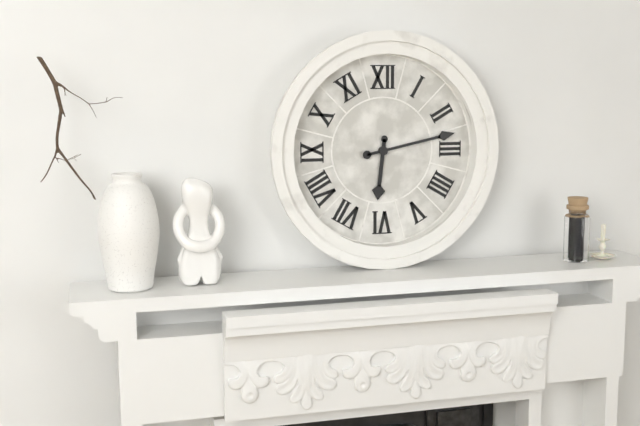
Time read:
6 h 13 min
